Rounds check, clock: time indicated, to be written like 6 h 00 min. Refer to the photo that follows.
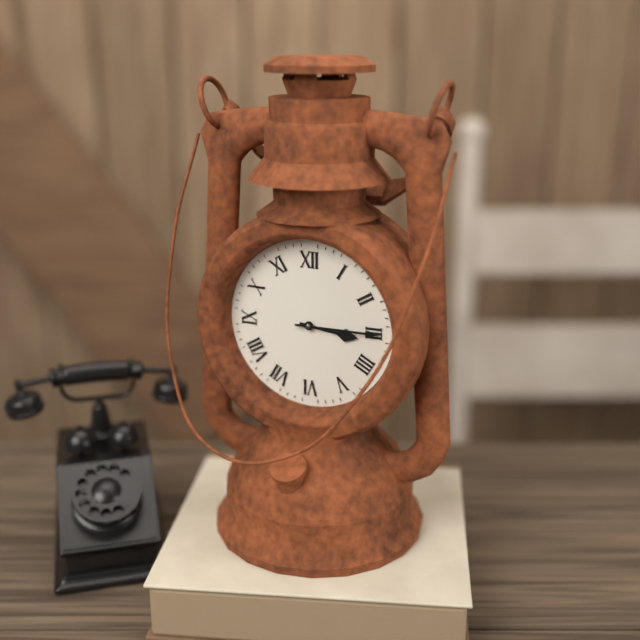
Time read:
3 h 15 min
